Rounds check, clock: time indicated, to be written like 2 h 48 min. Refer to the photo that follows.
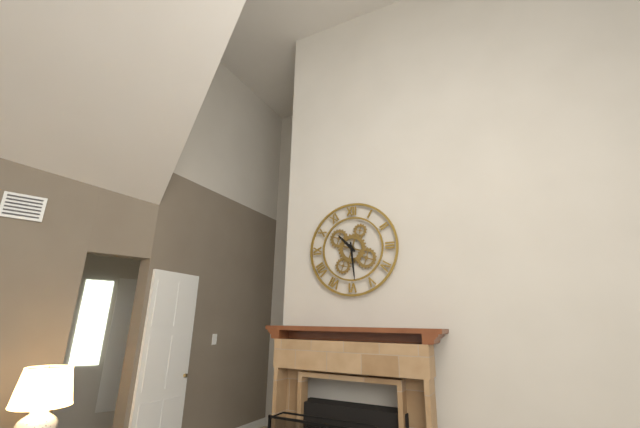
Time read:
10 h 29 min
